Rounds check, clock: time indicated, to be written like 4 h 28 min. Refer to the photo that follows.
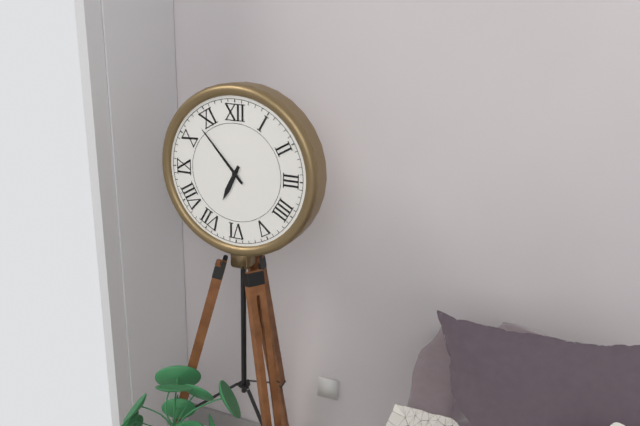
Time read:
6 h 53 min
